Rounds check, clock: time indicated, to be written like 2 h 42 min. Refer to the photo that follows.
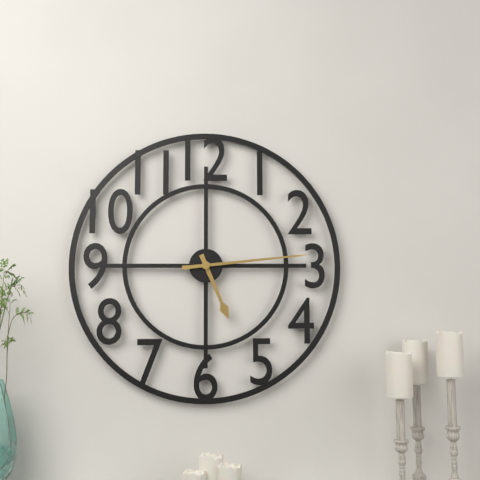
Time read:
5 h 14 min
